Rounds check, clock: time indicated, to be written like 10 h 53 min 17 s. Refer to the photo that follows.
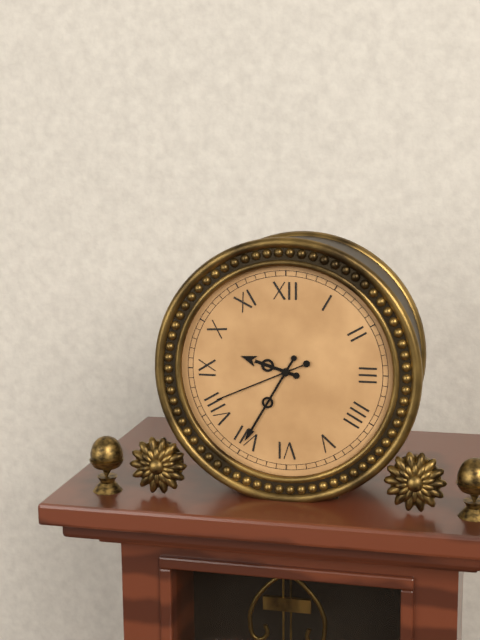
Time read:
9 h 35 min 41 s
